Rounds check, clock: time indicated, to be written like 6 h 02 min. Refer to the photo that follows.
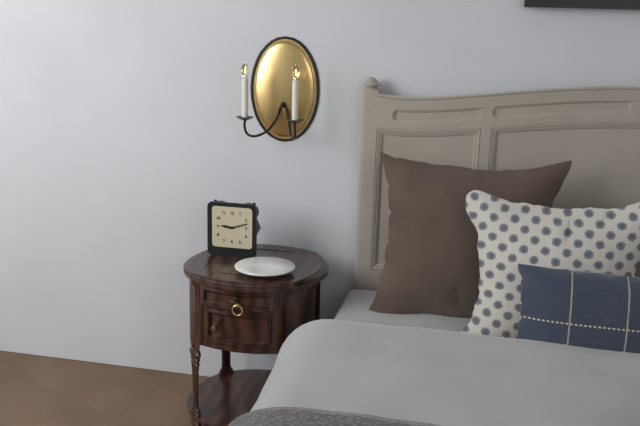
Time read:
9 h 12 min
